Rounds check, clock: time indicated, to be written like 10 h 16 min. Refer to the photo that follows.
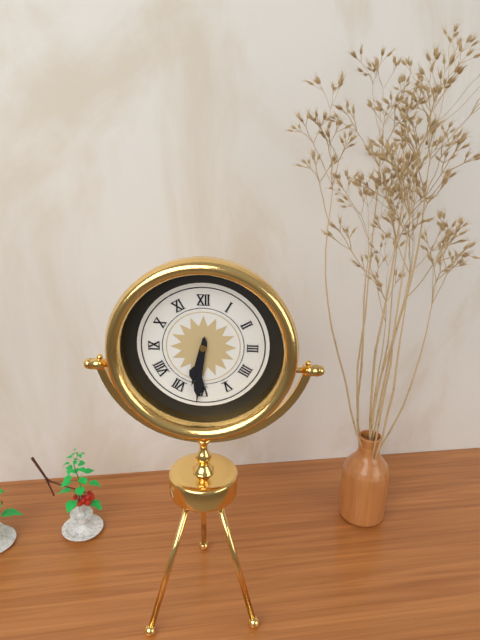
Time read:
6 h 31 min
